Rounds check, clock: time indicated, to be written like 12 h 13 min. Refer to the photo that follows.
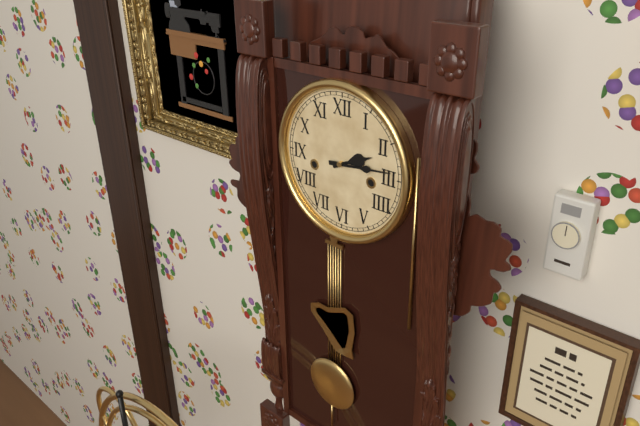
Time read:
2 h 14 min
